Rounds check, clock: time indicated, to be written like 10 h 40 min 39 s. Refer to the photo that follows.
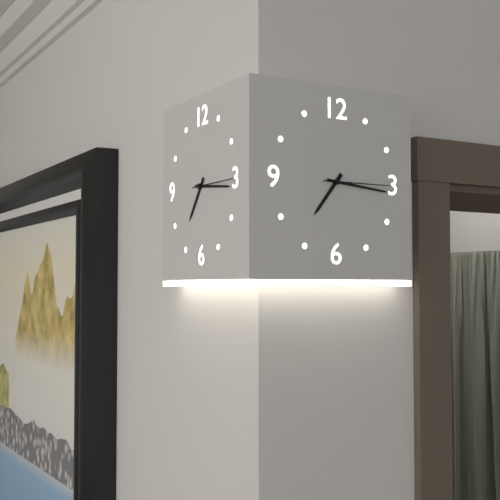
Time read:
7 h 16 min 15 s
